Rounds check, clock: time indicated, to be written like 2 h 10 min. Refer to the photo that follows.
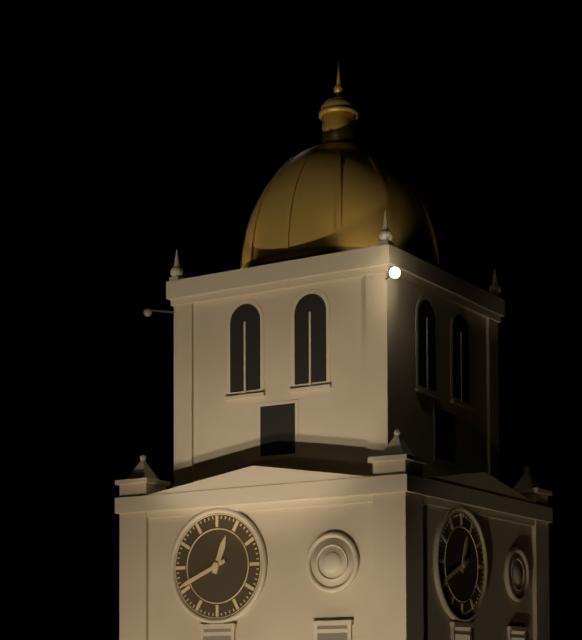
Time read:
12 h 41 min
